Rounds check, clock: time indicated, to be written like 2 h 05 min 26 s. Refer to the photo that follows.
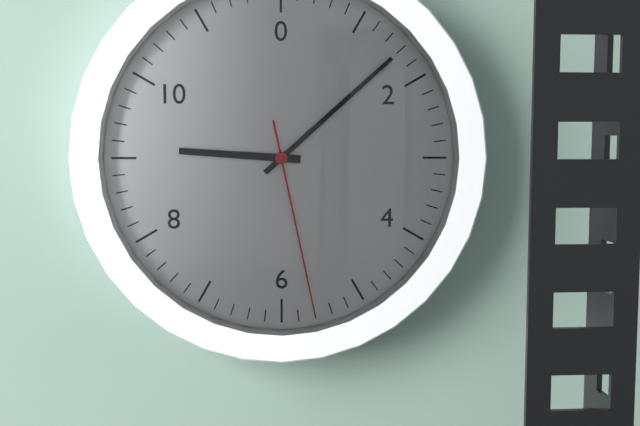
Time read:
9 h 08 min 28 s
